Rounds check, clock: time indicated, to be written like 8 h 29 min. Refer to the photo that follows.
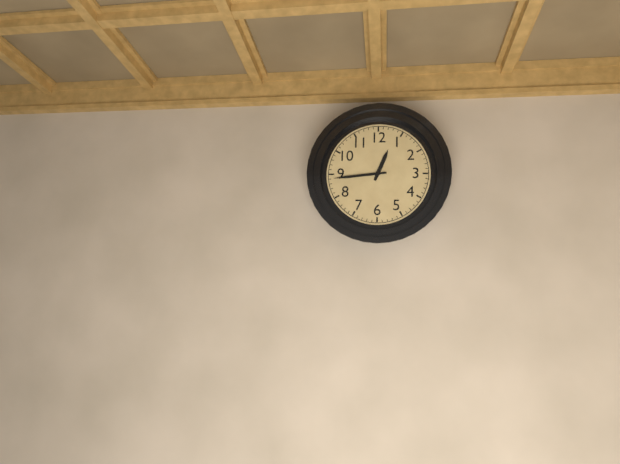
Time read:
12 h 44 min
